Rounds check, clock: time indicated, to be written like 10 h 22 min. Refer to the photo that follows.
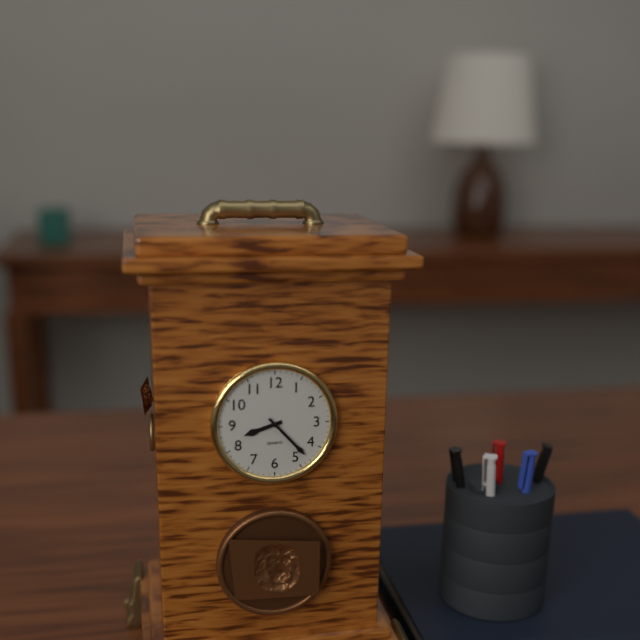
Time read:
8 h 23 min
